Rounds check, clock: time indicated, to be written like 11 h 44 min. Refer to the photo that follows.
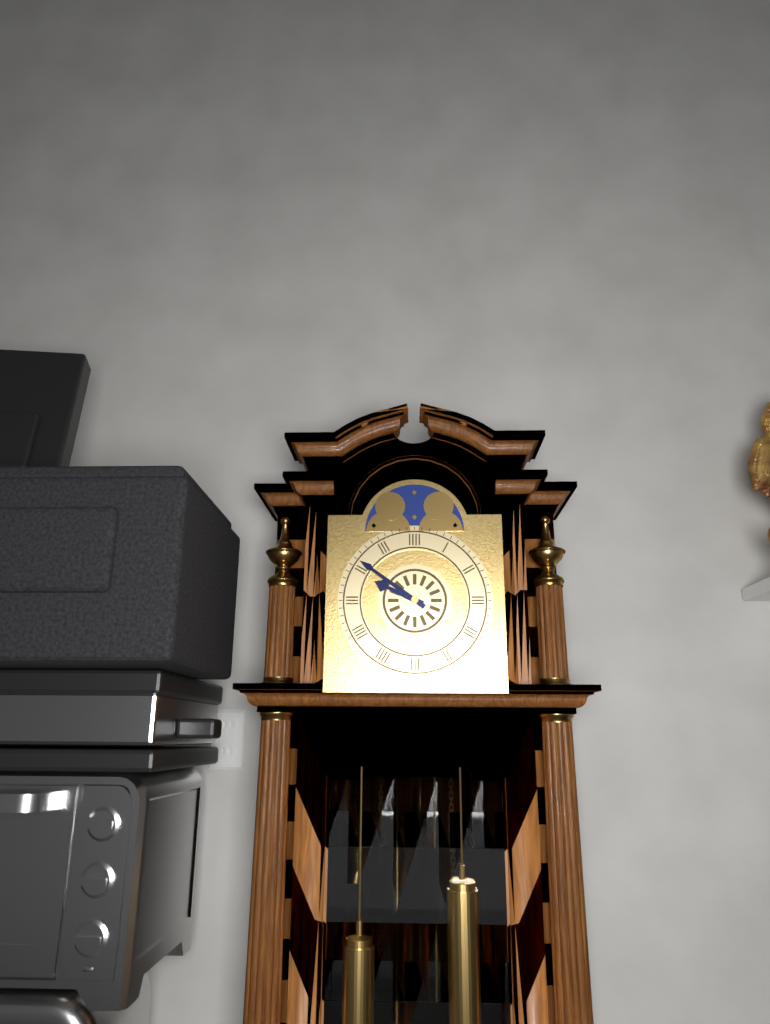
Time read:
9 h 51 min
